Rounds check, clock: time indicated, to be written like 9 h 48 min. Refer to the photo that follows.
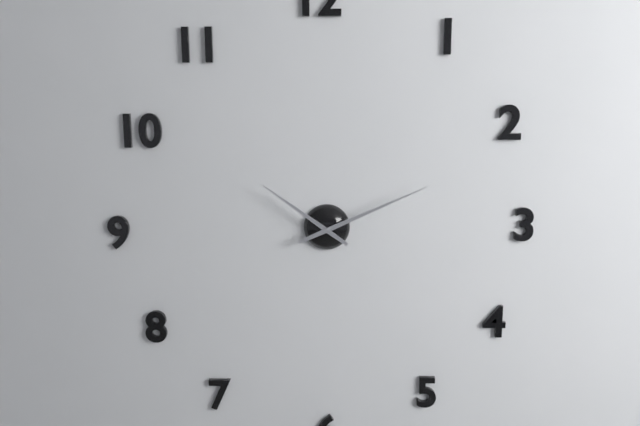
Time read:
10 h 11 min
